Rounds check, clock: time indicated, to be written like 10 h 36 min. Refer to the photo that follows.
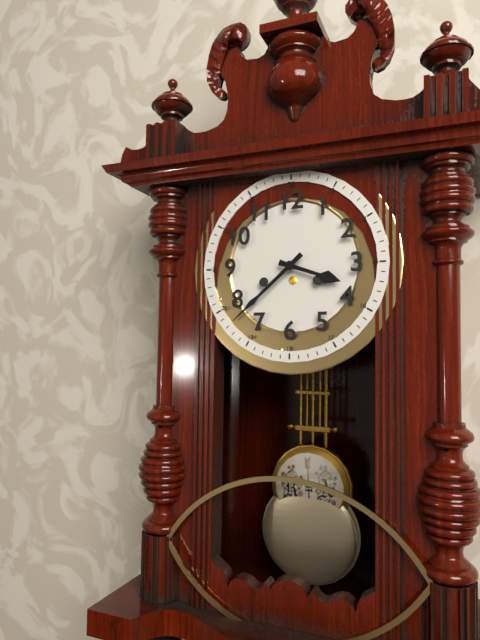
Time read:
3 h 38 min
